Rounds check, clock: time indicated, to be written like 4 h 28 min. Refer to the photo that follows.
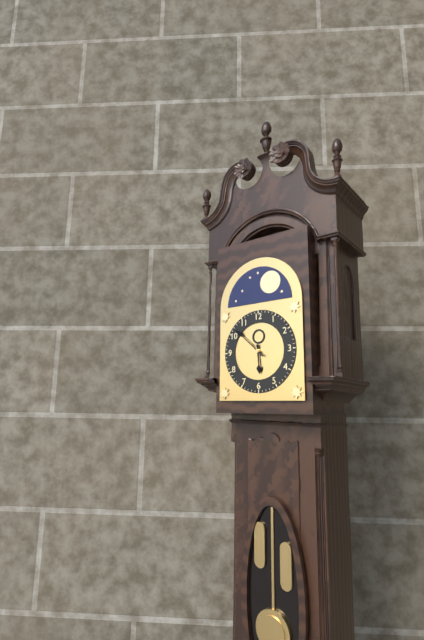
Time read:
5 h 52 min
